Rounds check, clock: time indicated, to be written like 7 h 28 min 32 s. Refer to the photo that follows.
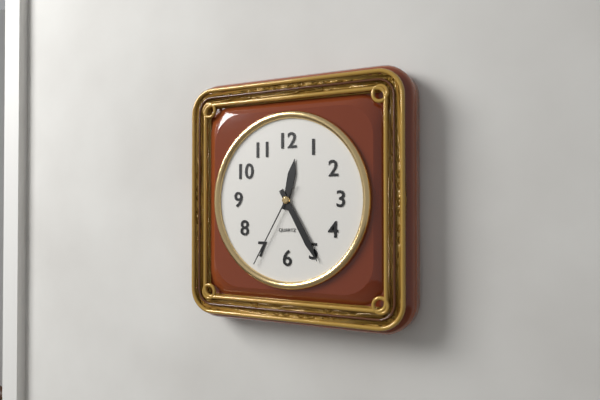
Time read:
12 h 25 min 35 s
